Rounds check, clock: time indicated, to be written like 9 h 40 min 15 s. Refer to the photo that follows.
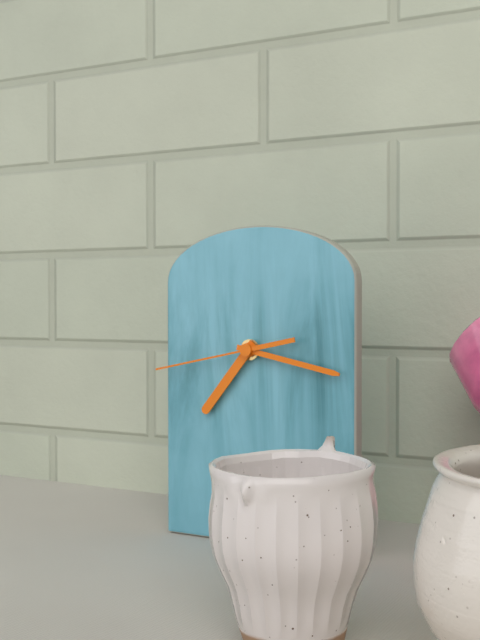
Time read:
7 h 17 min 43 s
